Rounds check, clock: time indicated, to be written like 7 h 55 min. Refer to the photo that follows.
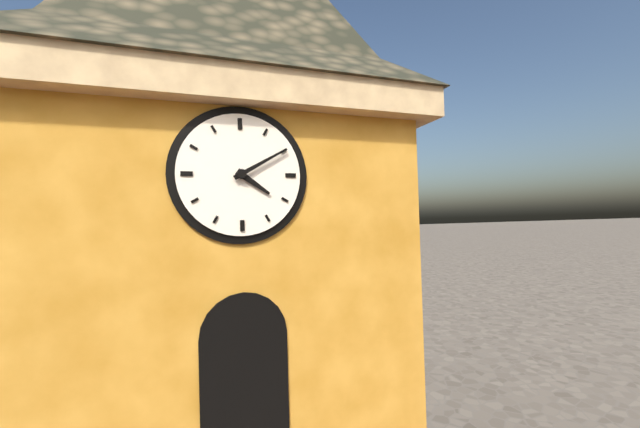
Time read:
4 h 10 min
